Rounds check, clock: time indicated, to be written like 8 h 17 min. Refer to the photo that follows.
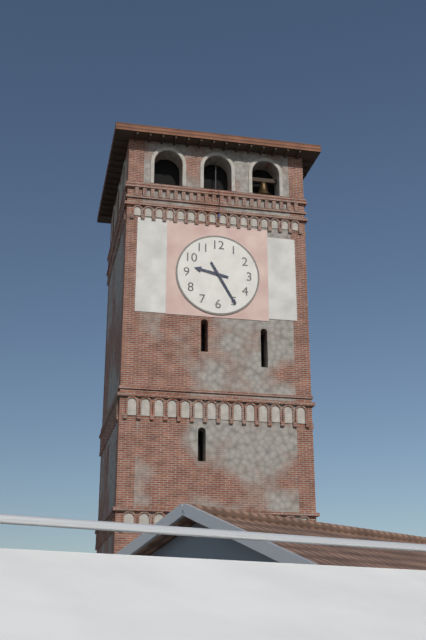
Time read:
9 h 25 min
